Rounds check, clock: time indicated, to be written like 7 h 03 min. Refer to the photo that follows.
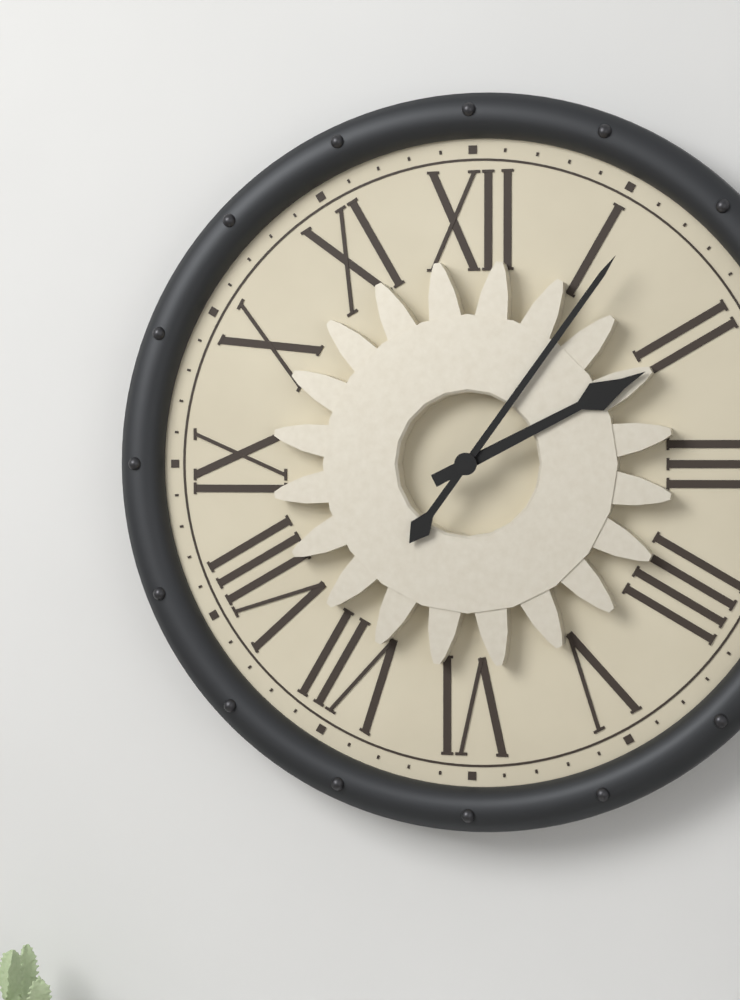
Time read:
2 h 06 min
